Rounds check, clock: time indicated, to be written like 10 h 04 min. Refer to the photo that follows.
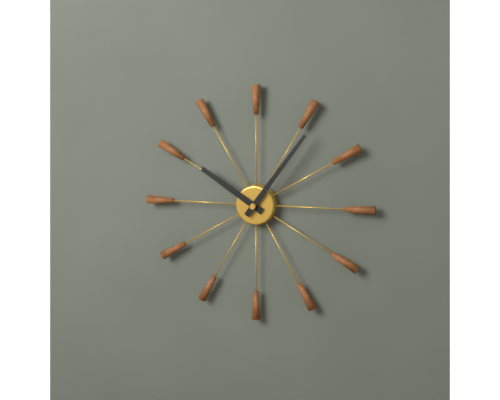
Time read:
10 h 06 min
